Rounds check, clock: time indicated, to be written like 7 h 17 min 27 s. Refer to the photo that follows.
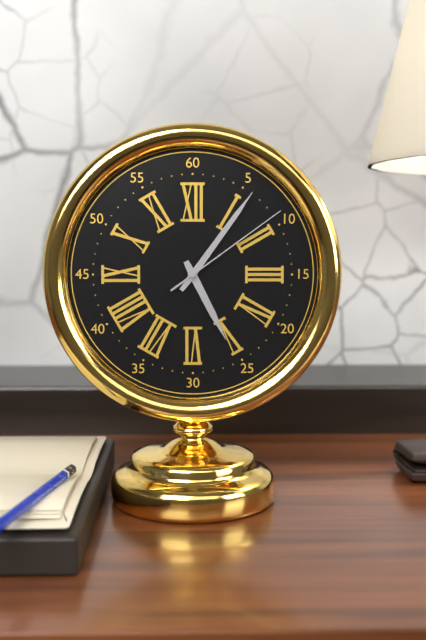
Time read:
5 h 06 min 09 s
